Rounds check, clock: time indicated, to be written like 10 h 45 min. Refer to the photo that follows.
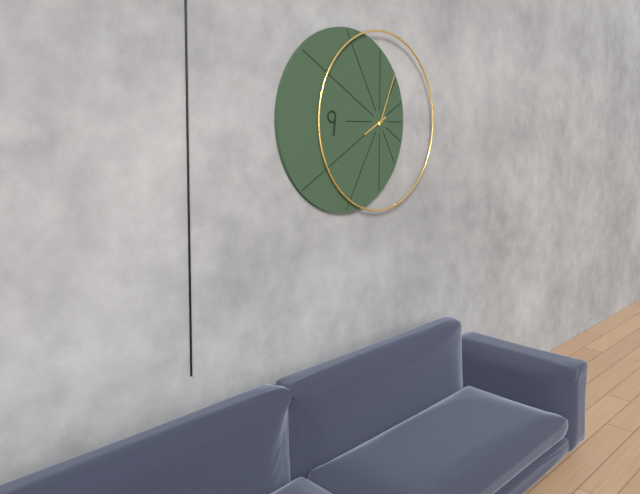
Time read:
8 h 04 min
